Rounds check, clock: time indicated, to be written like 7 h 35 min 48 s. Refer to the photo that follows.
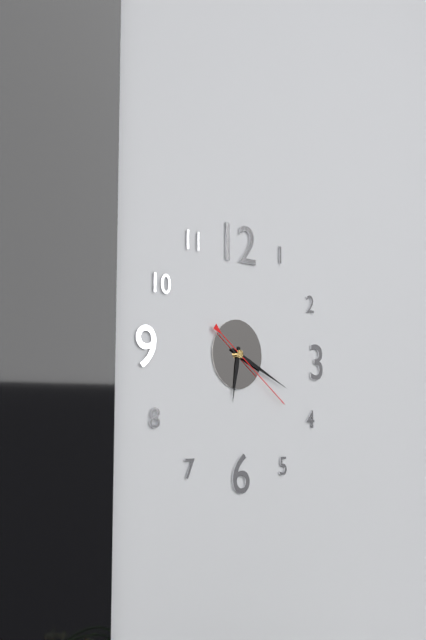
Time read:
6 h 19 min 21 s
